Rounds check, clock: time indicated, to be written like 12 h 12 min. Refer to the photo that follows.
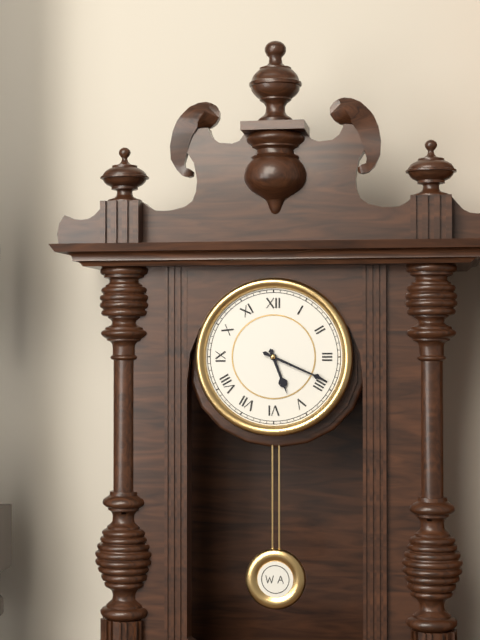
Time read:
5 h 19 min
